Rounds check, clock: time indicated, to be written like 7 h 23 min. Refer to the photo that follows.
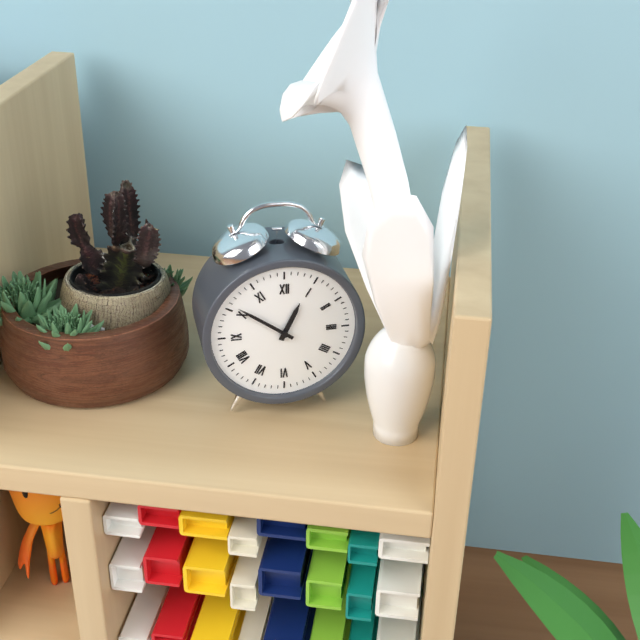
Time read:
12 h 51 min
